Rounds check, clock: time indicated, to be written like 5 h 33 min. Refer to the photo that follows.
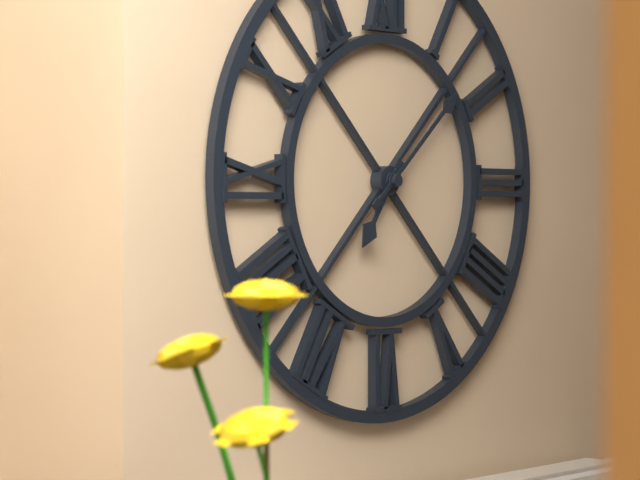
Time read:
7 h 08 min
